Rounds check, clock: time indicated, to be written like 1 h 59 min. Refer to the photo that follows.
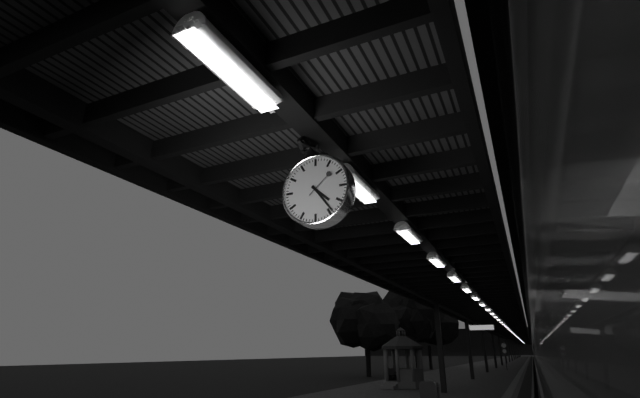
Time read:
4 h 24 min
